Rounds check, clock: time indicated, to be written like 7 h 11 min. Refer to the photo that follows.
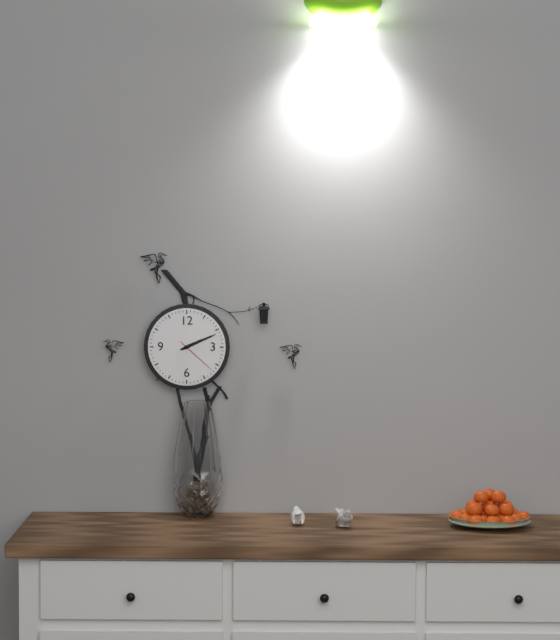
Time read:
2 h 11 min
